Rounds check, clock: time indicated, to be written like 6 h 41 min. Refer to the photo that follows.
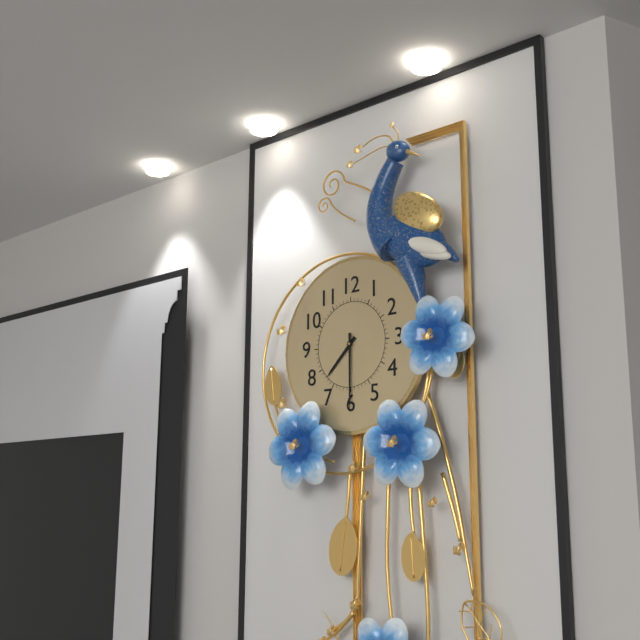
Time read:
7 h 30 min
